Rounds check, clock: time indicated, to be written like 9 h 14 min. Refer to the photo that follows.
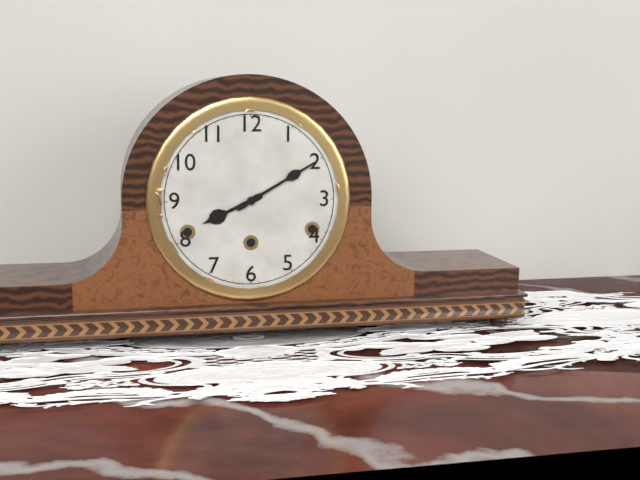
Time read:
8 h 10 min
